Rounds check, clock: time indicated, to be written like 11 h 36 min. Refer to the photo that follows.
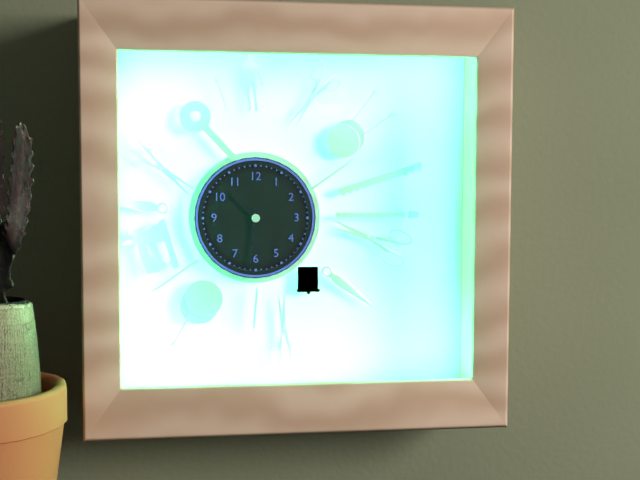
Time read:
10 h 31 min
